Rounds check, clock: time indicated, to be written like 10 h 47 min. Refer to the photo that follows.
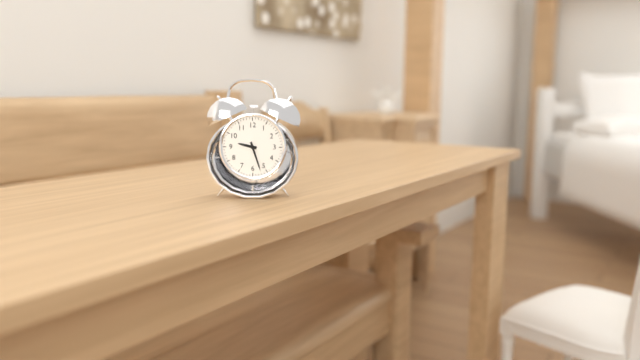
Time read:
9 h 27 min
